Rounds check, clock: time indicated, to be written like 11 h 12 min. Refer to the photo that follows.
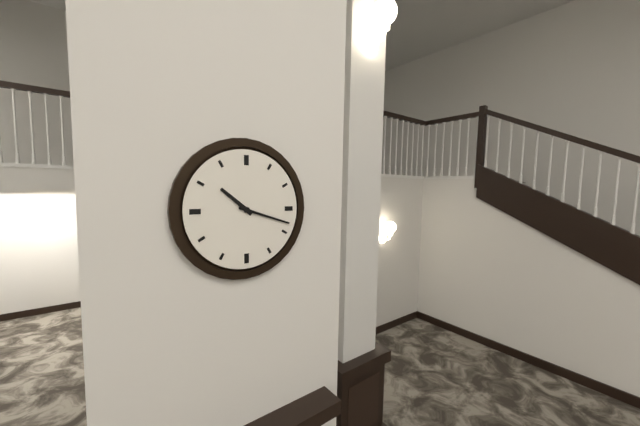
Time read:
10 h 18 min
